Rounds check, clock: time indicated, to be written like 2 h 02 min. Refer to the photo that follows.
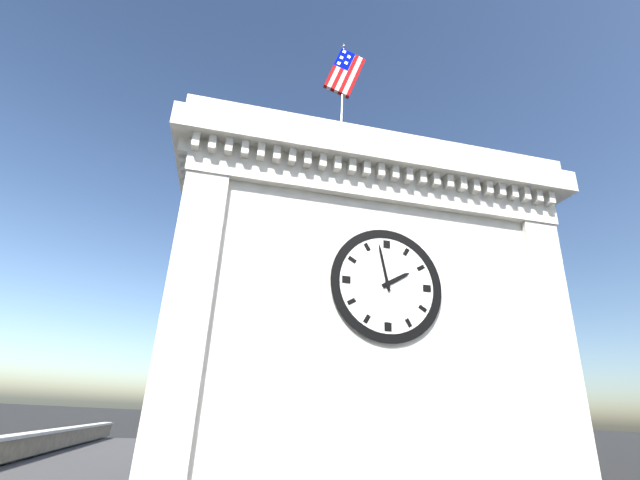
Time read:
1 h 58 min
